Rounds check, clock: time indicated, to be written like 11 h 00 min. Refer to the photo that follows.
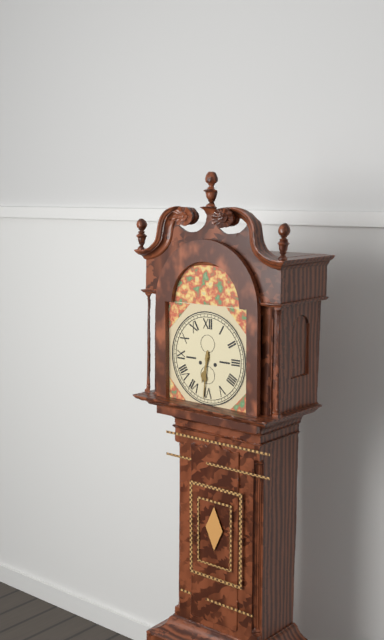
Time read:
6 h 31 min
